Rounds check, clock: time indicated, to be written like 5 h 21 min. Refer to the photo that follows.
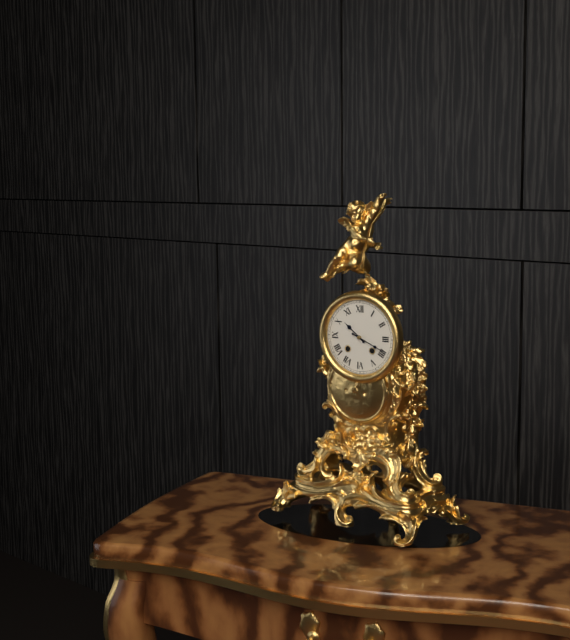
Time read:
10 h 19 min
